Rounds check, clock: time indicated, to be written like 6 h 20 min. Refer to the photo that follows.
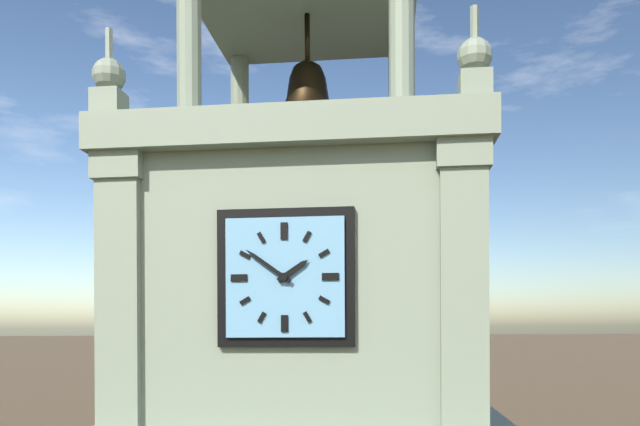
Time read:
1 h 51 min
